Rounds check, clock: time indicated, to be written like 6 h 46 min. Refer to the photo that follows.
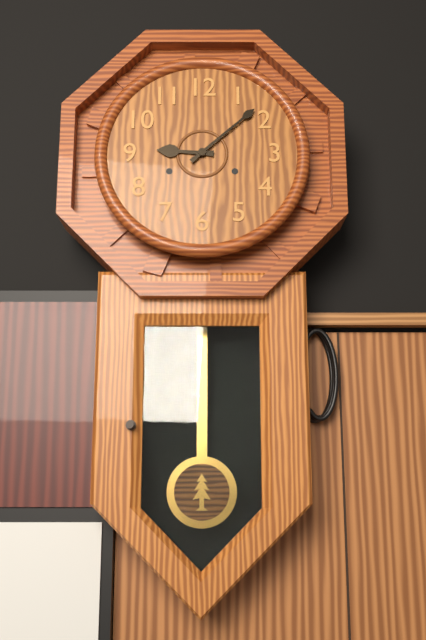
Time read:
9 h 08 min
